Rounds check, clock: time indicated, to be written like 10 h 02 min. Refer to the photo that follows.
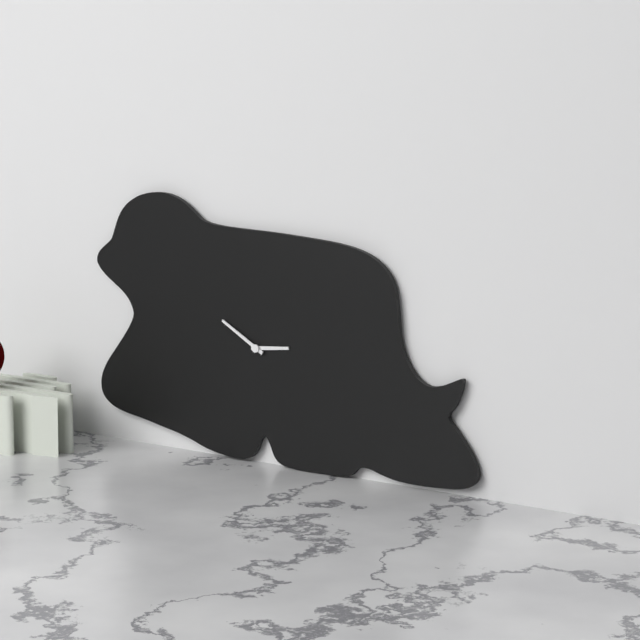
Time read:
2 h 50 min
